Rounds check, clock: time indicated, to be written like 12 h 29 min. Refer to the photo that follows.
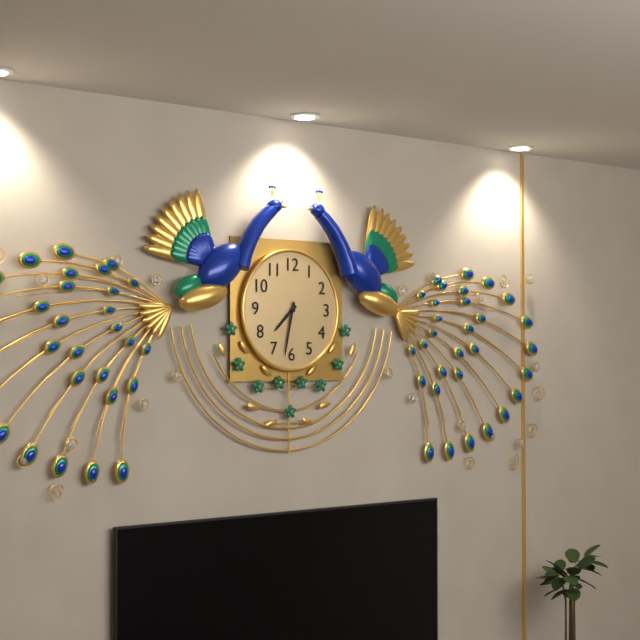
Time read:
7 h 32 min
